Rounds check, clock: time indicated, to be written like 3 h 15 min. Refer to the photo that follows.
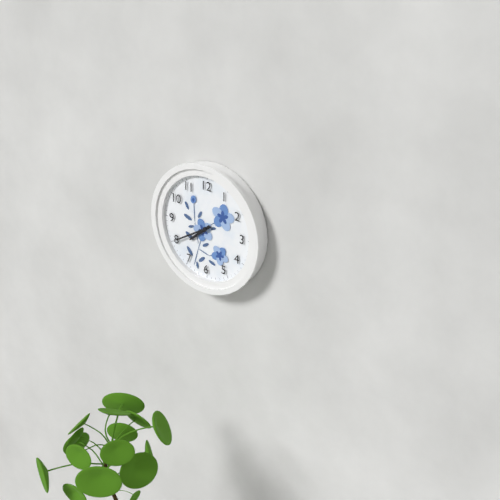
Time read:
7 h 40 min
